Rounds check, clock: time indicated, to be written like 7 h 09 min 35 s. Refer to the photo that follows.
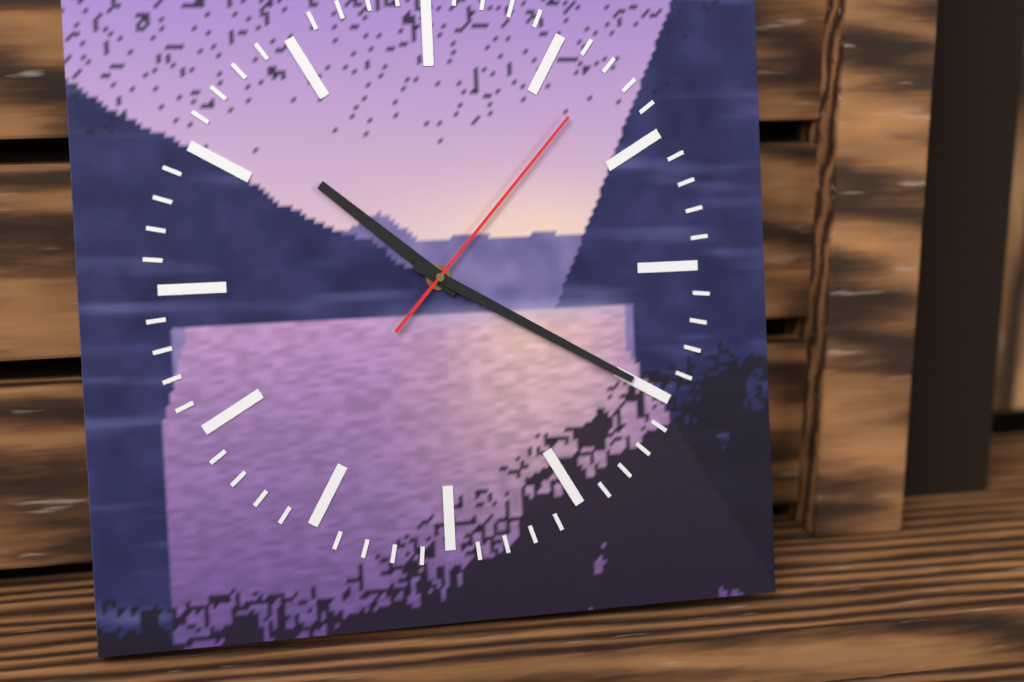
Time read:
10 h 20 min 07 s
